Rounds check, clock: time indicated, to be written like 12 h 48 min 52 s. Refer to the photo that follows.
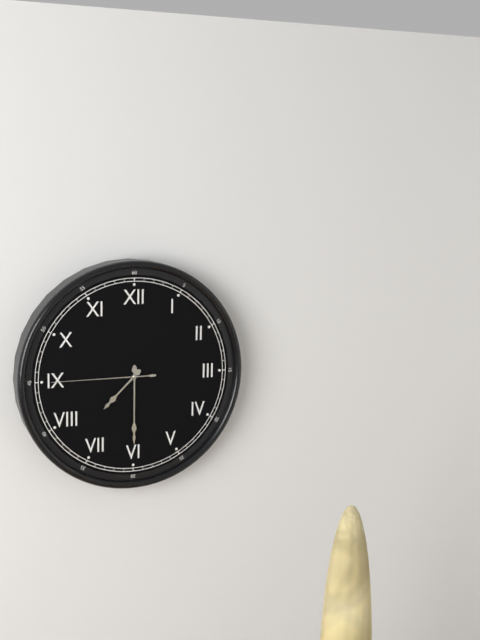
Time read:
7 h 30 min 45 s
